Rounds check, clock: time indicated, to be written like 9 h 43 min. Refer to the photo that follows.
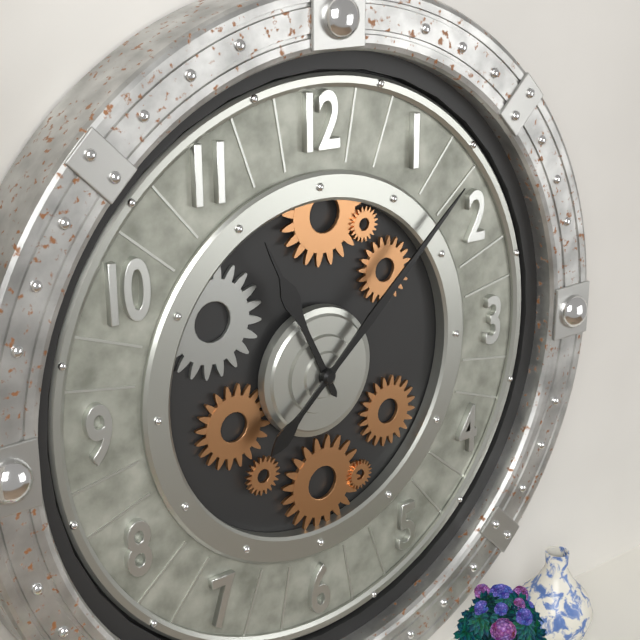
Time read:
11 h 08 min
